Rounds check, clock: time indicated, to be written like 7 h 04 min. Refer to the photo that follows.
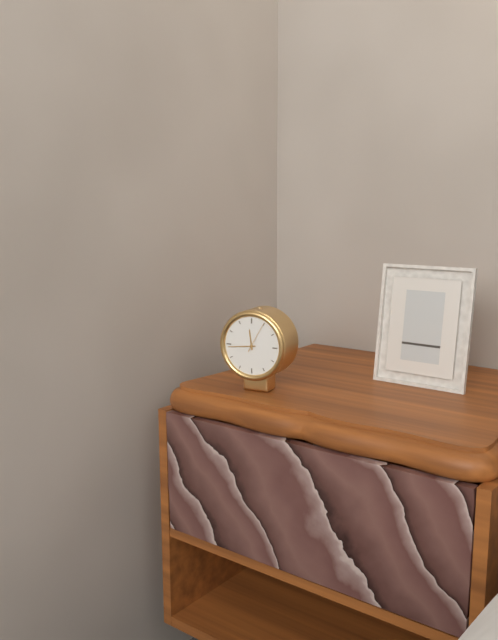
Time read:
11 h 44 min
